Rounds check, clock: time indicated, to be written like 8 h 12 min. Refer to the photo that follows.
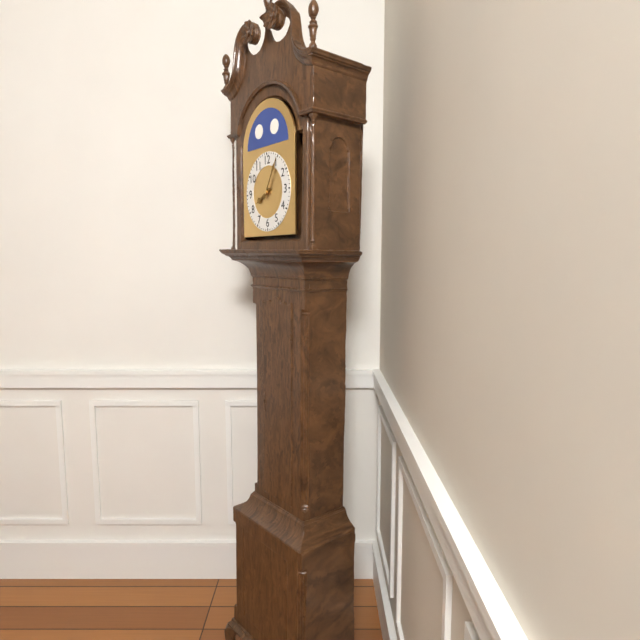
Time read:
8 h 05 min
